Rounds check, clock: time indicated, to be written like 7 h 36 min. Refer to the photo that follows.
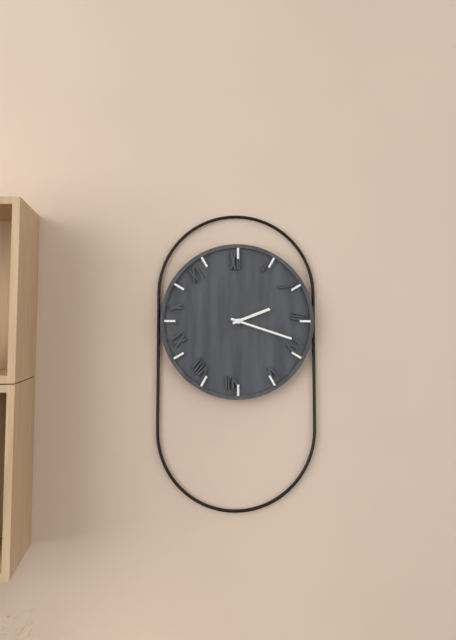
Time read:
2 h 18 min
